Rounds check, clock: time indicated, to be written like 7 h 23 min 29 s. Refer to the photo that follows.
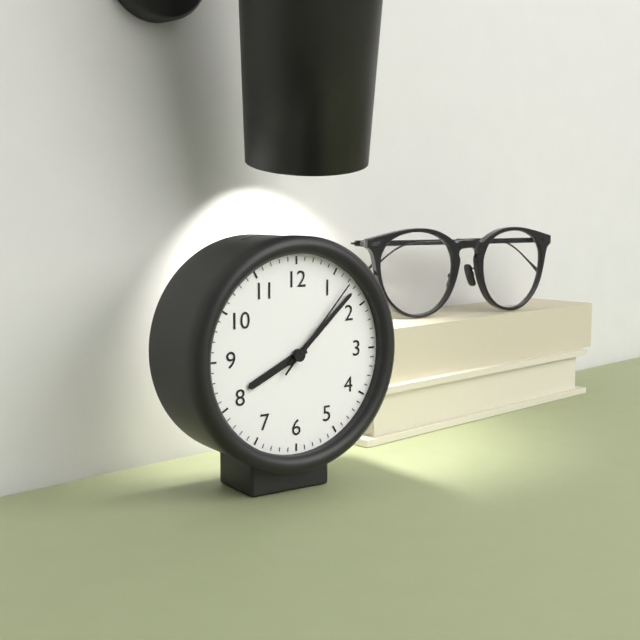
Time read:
8 h 08 min 07 s
